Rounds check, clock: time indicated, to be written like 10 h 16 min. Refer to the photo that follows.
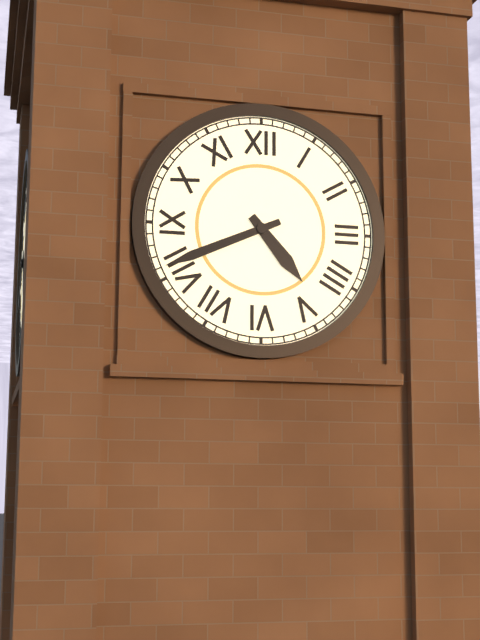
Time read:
4 h 41 min
